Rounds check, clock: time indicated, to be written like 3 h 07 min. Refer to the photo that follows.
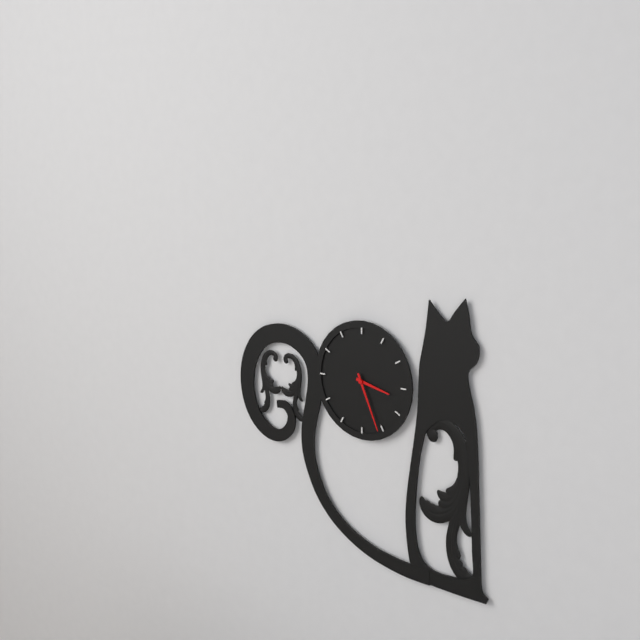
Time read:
3 h 26 min
